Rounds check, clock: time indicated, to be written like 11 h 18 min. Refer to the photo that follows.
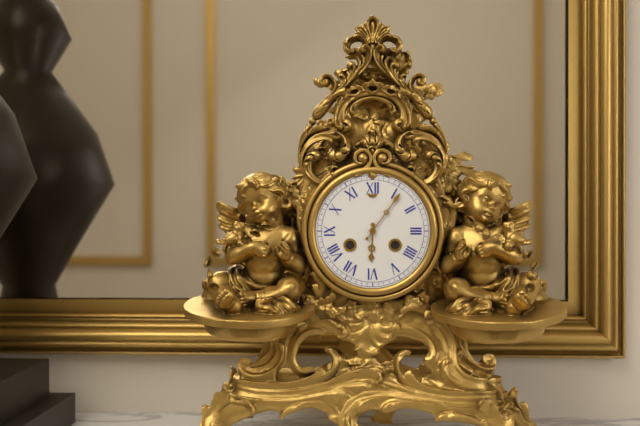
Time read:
6 h 06 min
